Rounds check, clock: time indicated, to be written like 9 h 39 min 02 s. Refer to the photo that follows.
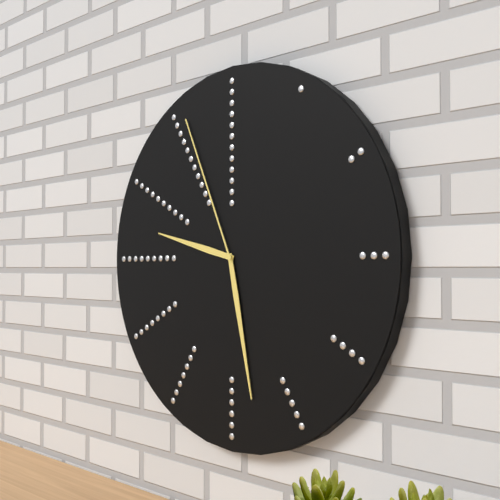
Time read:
9 h 28 min 56 s
